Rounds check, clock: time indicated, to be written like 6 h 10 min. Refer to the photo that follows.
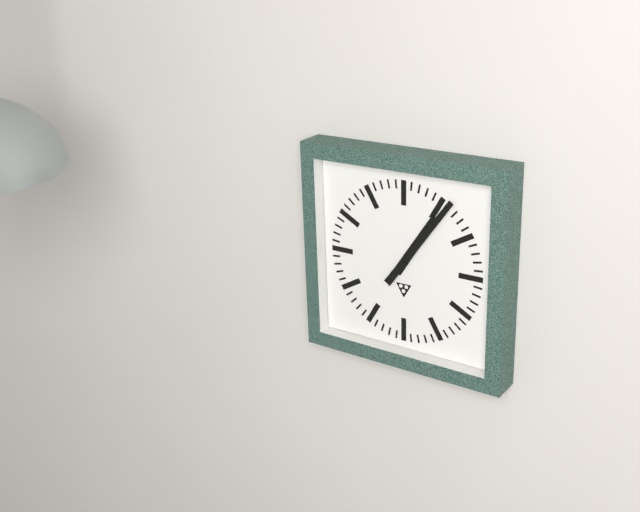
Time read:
1 h 06 min
